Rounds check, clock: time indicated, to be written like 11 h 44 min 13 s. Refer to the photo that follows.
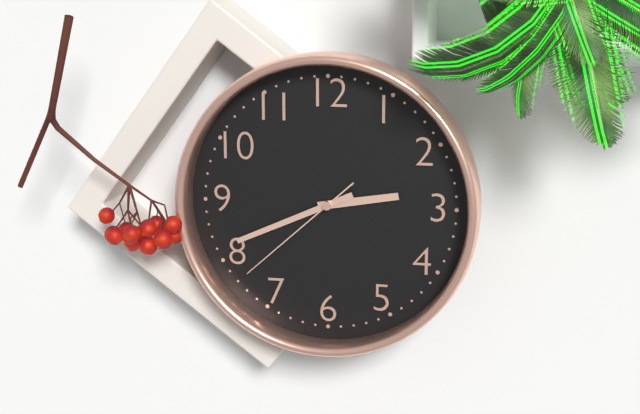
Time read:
2 h 41 min 38 s
